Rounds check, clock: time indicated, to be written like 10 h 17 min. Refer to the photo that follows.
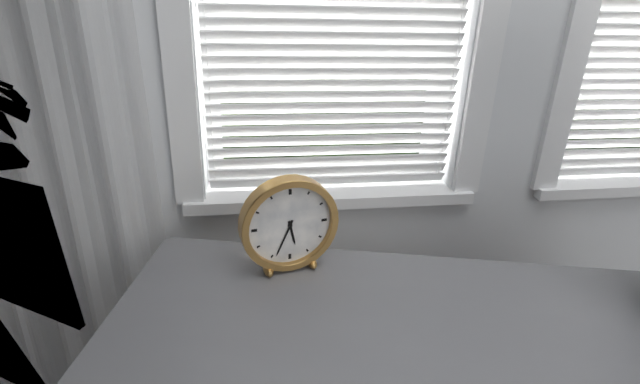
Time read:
5 h 34 min
